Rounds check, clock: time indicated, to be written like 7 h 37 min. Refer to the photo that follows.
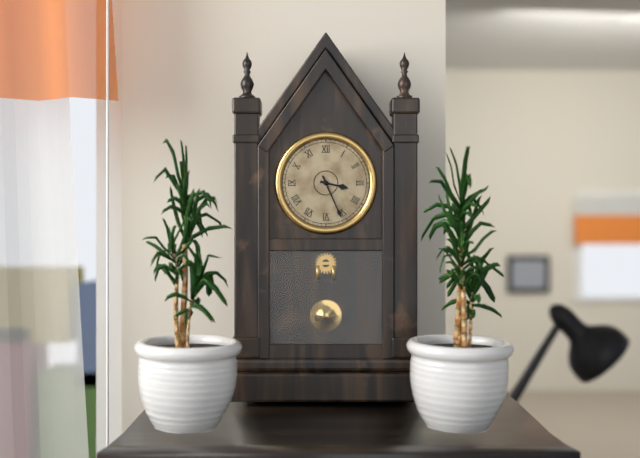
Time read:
3 h 26 min
